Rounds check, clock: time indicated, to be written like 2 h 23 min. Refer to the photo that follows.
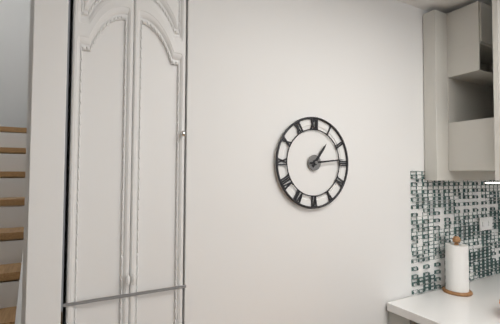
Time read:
1 h 14 min
